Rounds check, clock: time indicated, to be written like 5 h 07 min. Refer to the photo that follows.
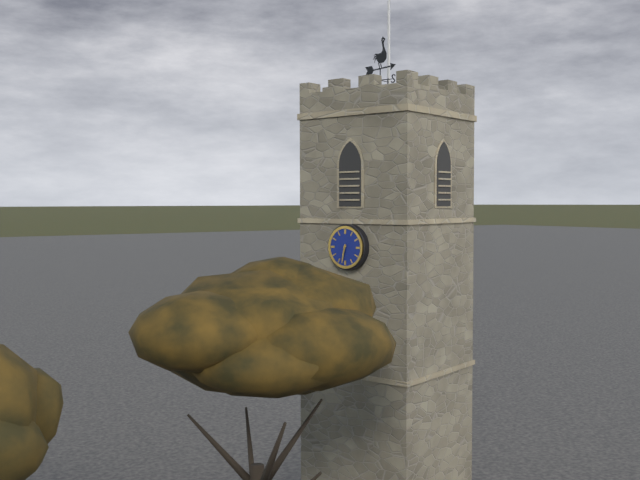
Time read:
6 h 32 min
